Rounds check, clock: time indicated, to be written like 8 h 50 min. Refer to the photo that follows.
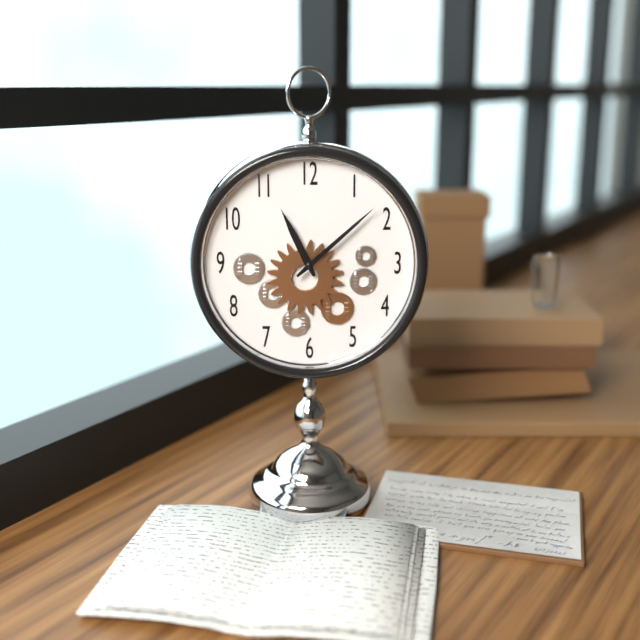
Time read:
11 h 08 min
